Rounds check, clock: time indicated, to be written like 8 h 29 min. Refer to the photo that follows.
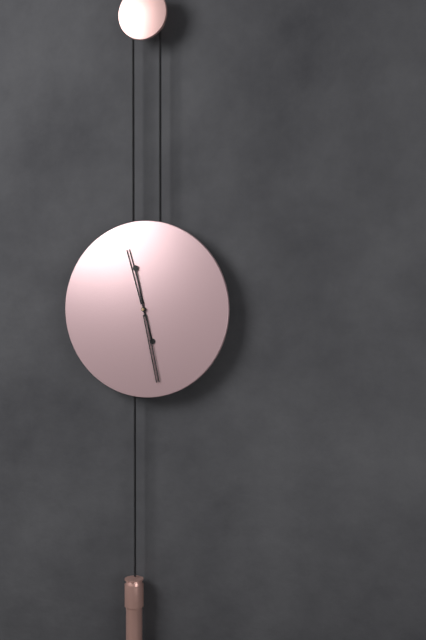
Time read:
11 h 28 min
